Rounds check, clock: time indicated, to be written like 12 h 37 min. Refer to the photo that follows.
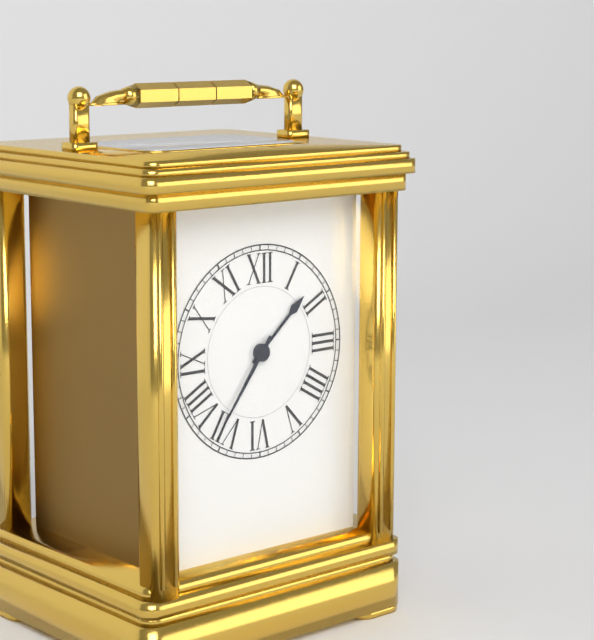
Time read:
1 h 36 min
